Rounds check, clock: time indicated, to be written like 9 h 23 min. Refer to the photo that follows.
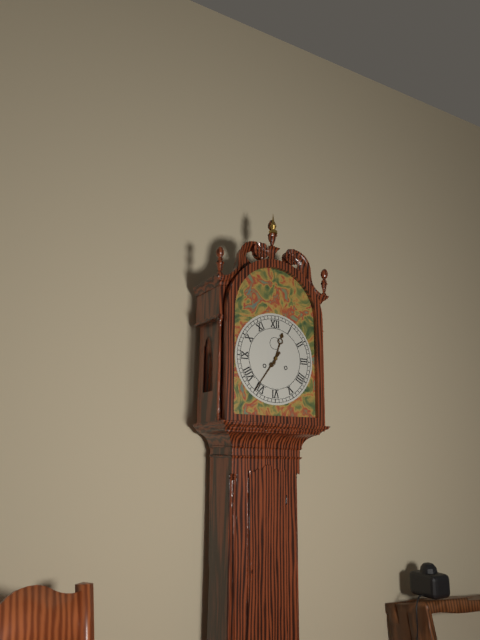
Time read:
12 h 36 min
